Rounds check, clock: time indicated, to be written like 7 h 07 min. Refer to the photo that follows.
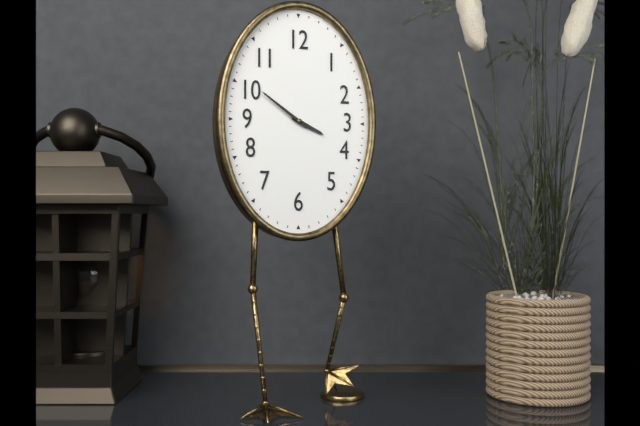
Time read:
3 h 51 min
